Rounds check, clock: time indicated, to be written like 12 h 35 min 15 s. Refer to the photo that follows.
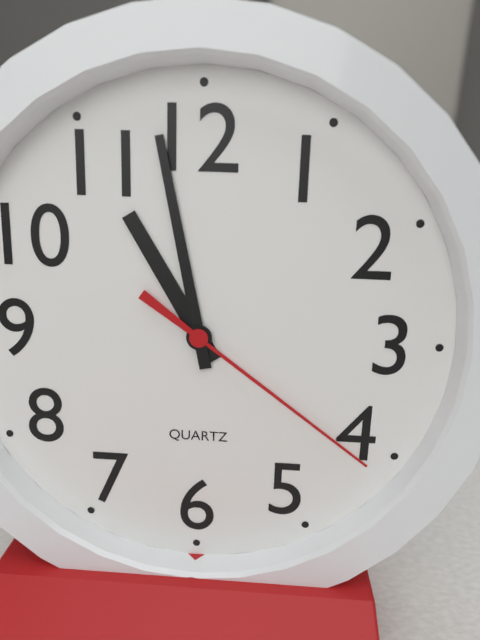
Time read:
10 h 58 min 21 s
